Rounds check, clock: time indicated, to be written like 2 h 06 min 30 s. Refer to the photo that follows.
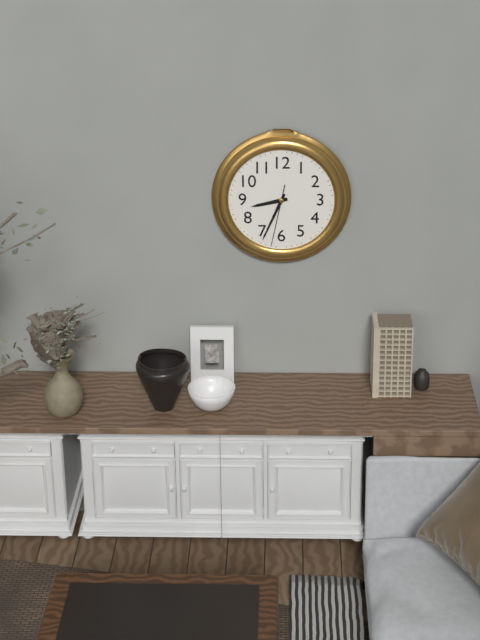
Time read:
8 h 34 min 32 s
